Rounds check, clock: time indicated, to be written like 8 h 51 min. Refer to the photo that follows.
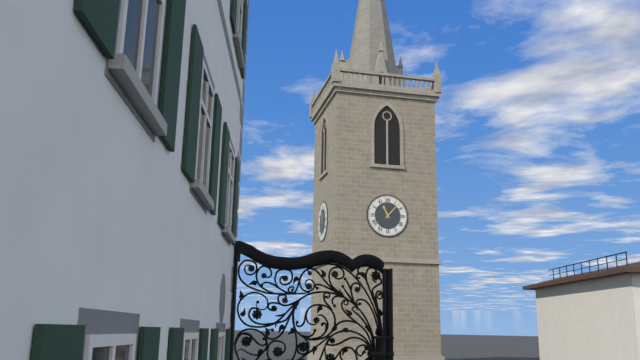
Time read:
11 h 07 min
